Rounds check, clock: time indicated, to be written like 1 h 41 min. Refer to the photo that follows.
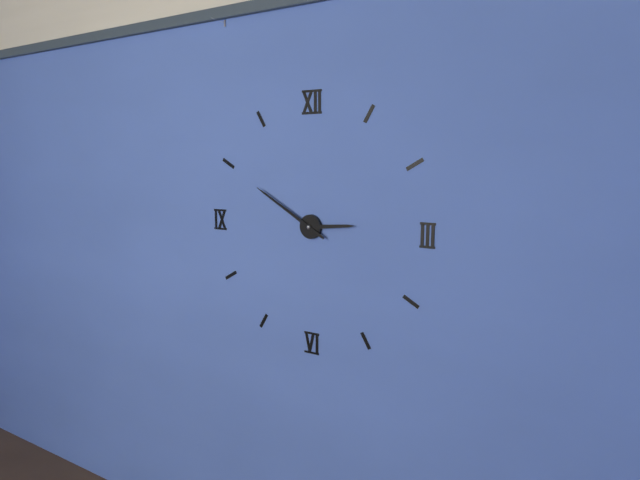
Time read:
2 h 50 min
